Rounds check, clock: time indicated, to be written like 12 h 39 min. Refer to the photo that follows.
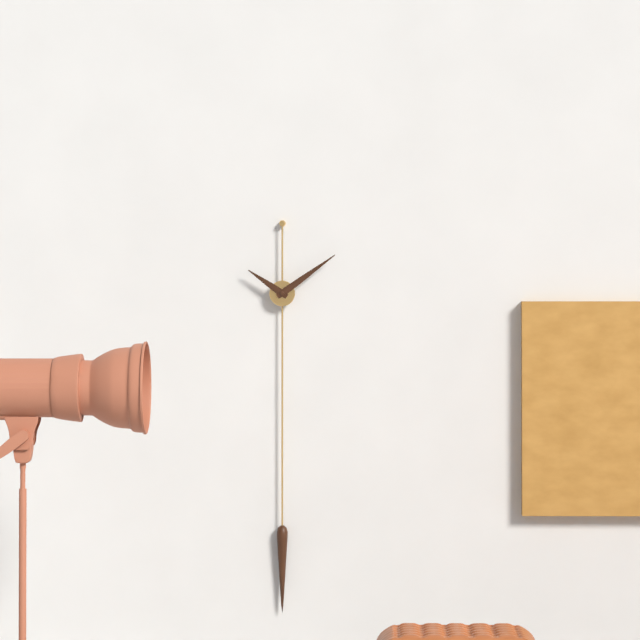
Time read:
10 h 09 min
